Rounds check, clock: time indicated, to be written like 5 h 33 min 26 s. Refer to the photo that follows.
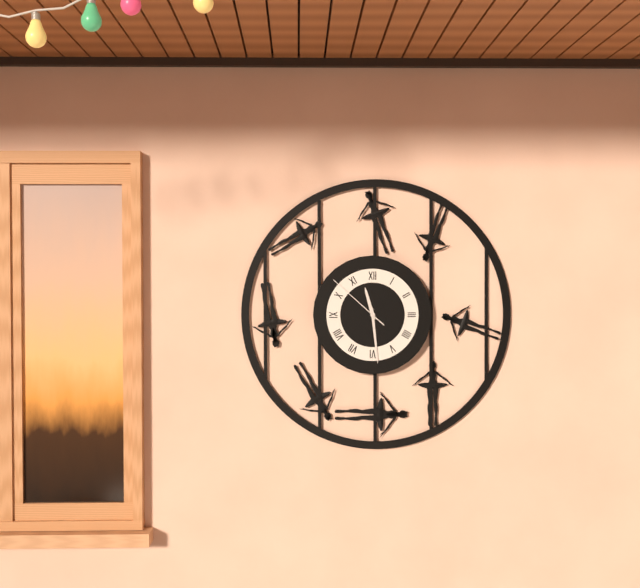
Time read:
11 h 29 min 52 s
